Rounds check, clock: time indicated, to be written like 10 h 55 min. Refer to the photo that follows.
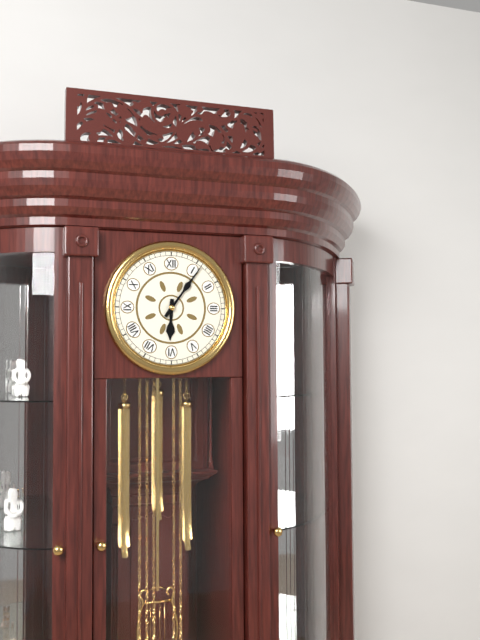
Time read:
6 h 06 min
